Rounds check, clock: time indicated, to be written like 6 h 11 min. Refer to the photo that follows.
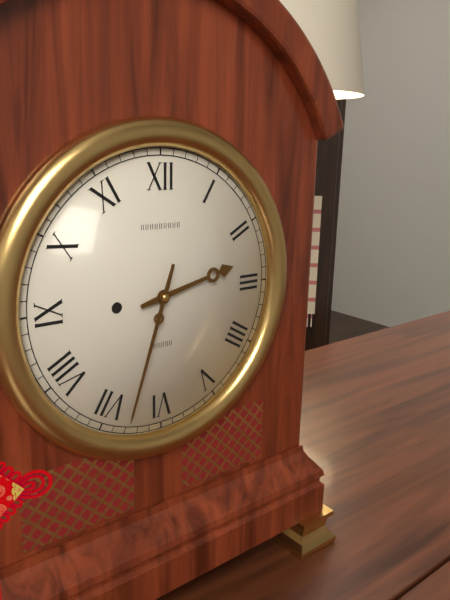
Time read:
2 h 33 min
